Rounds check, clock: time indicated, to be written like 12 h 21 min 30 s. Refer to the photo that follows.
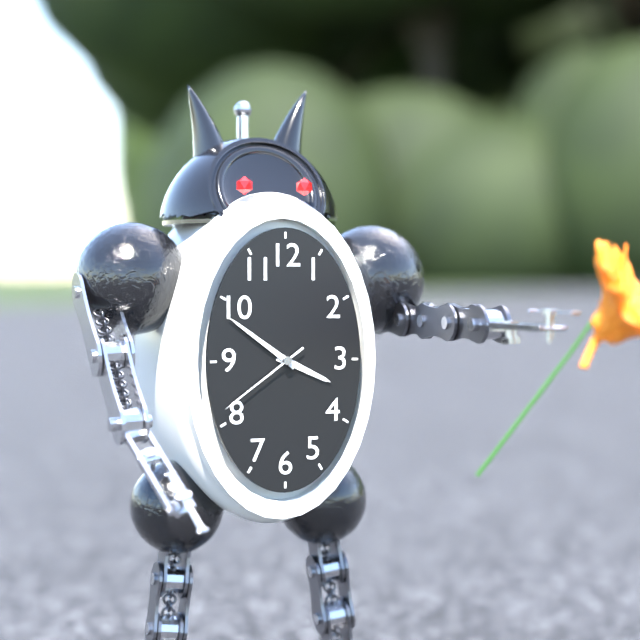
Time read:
3 h 51 min 39 s
